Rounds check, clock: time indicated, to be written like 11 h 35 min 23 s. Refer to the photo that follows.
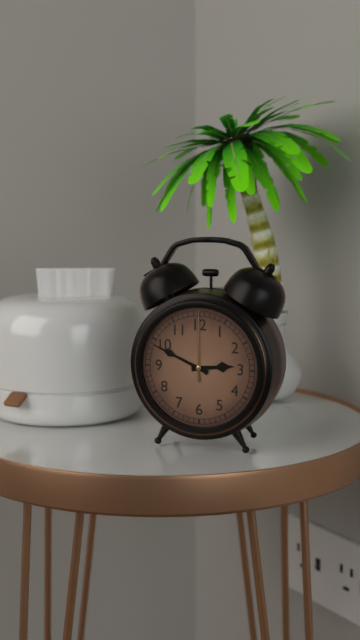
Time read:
2 h 49 min 00 s
